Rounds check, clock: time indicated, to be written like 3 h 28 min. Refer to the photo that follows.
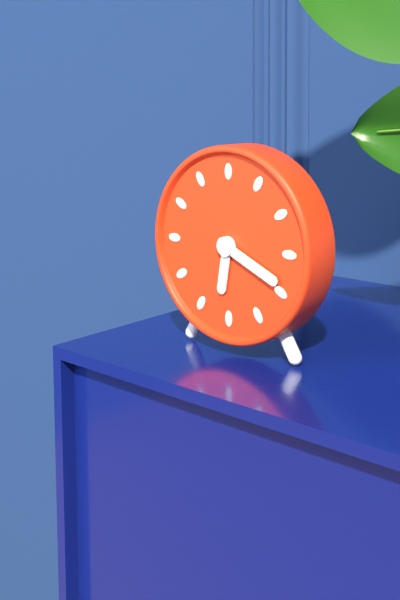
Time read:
6 h 19 min
